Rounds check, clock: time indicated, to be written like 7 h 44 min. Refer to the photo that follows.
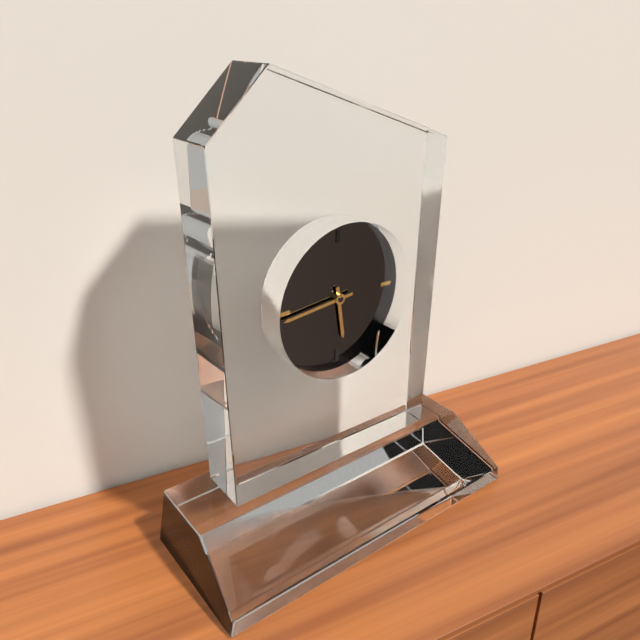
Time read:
5 h 44 min
